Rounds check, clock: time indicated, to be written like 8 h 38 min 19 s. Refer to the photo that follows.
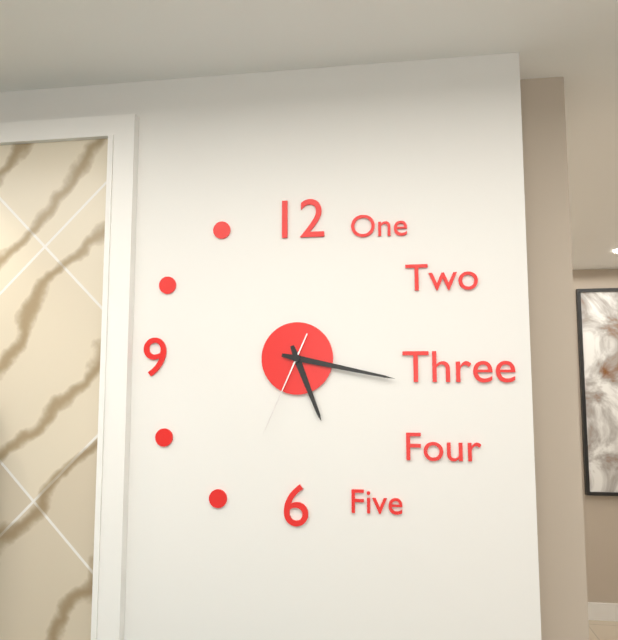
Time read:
5 h 17 min 34 s
